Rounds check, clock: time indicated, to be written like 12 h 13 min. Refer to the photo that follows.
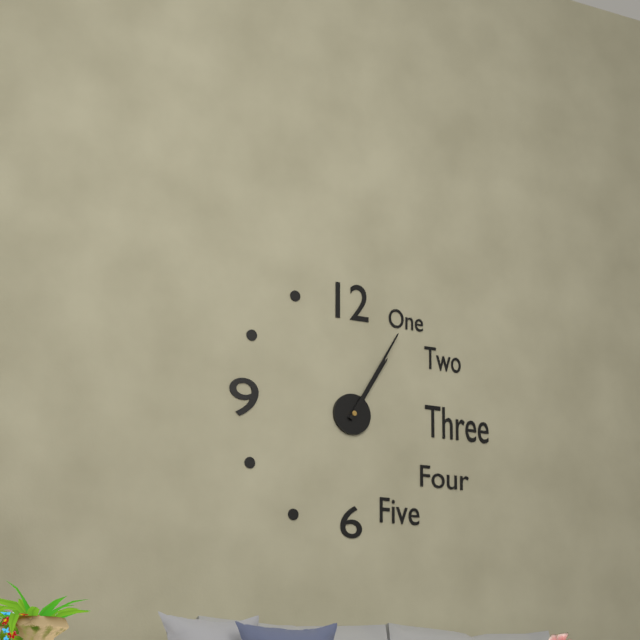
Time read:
1 h 05 min
